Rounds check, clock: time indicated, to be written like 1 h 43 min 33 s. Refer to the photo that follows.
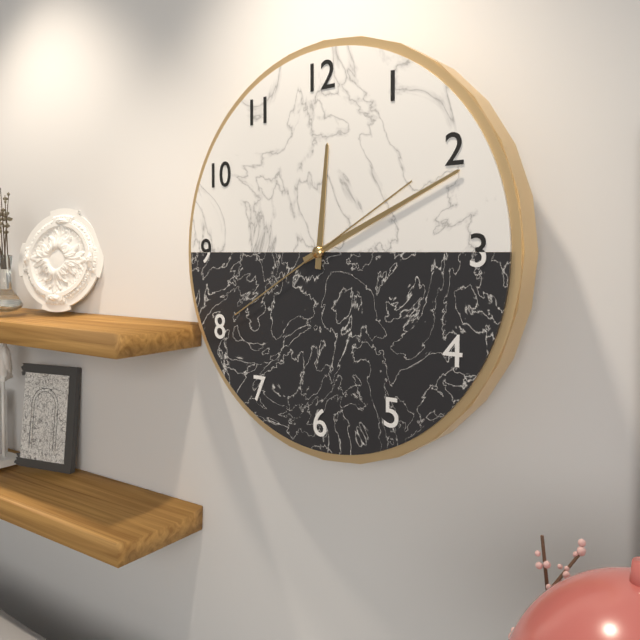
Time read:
12 h 11 min 40 s
